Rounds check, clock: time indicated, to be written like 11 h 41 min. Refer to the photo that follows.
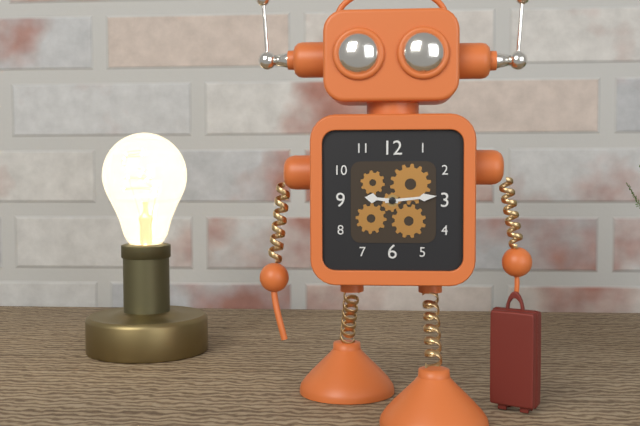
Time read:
9 h 14 min
